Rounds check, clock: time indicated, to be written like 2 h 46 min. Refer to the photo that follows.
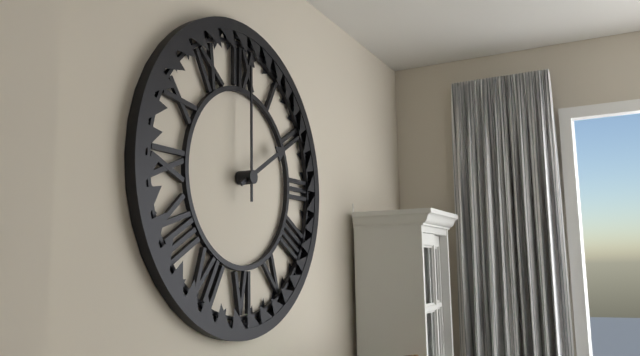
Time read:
2 h 00 min
